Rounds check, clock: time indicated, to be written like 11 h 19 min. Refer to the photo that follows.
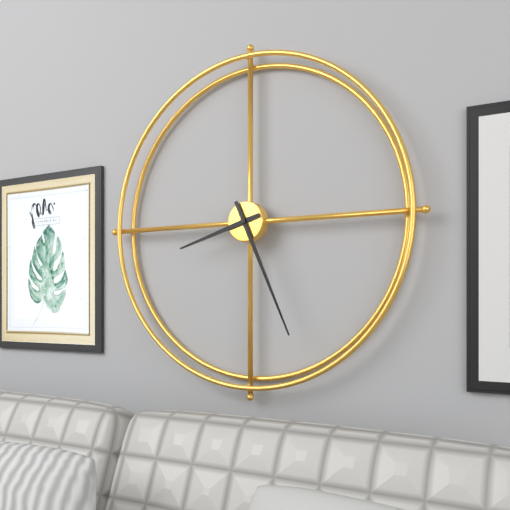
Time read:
8 h 26 min
